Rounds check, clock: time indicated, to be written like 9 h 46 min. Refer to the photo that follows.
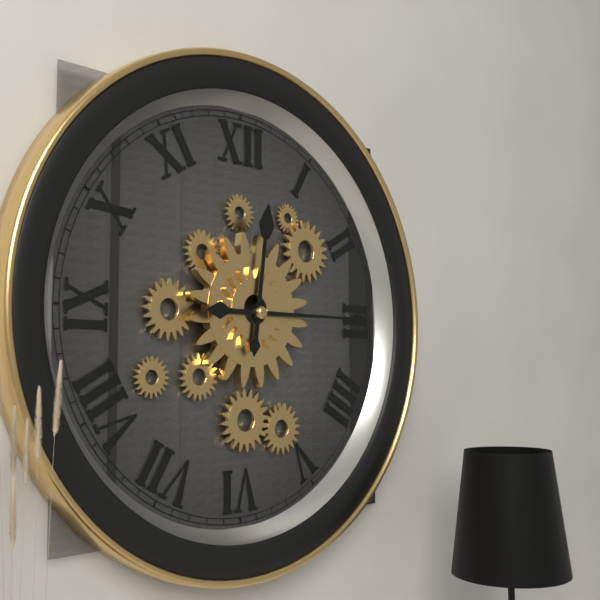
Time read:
12 h 15 min
